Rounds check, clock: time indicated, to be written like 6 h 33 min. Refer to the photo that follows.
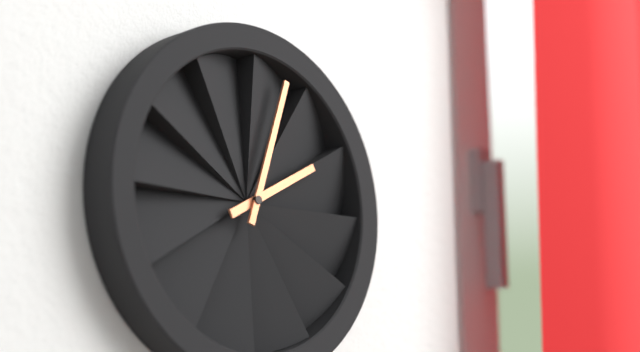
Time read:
2 h 03 min
